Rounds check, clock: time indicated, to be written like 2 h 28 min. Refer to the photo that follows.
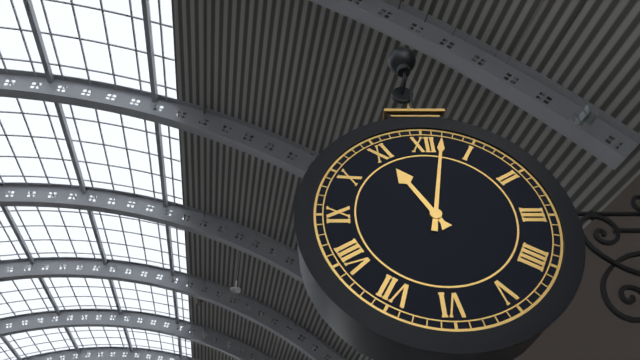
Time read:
11 h 02 min
